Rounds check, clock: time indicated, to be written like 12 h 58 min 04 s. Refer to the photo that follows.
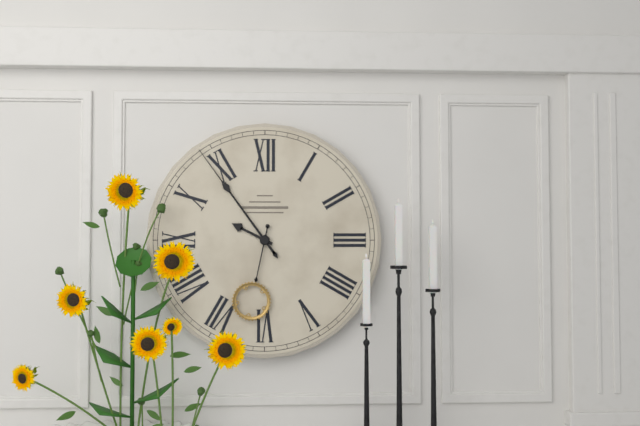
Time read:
9 h 54 min 32 s
